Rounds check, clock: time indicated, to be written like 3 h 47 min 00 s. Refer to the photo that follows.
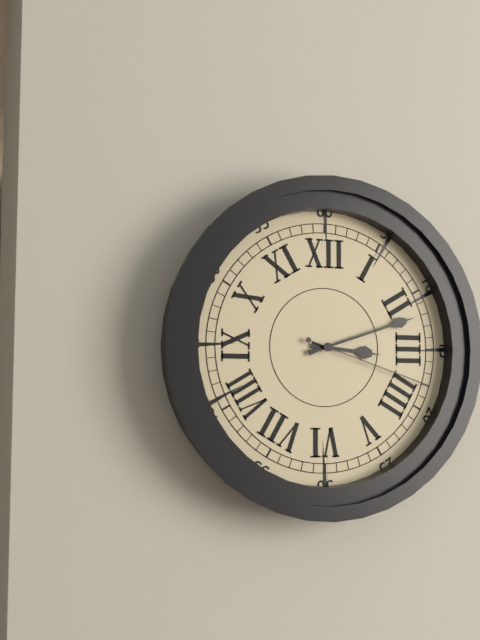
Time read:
3 h 12 min 18 s
